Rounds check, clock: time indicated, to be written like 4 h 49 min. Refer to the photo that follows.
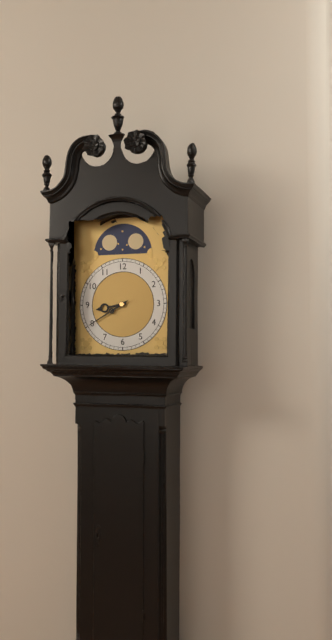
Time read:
8 h 40 min
